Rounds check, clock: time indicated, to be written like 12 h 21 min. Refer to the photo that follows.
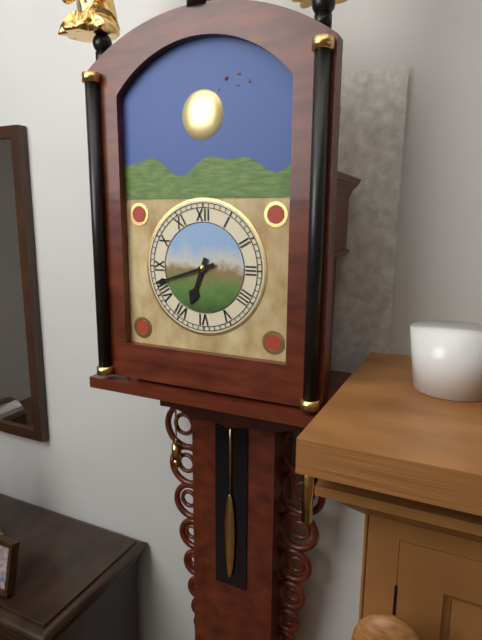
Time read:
6 h 42 min
